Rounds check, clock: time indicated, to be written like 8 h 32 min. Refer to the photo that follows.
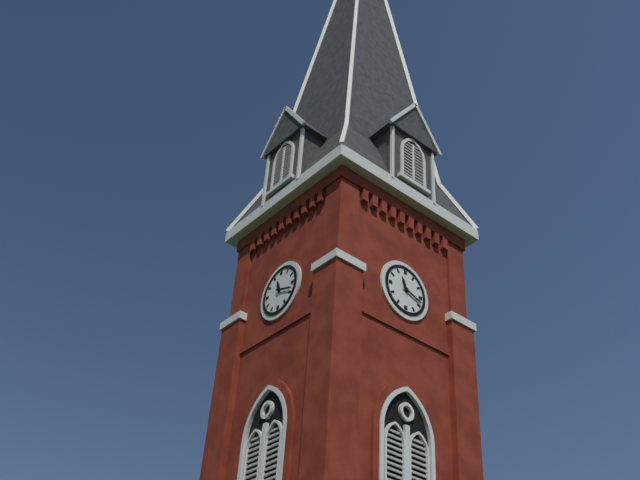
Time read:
11 h 18 min
